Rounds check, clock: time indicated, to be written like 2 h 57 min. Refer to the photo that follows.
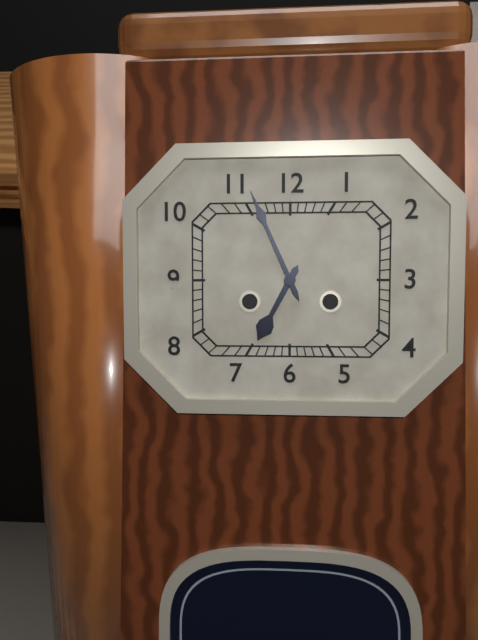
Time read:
6 h 56 min
